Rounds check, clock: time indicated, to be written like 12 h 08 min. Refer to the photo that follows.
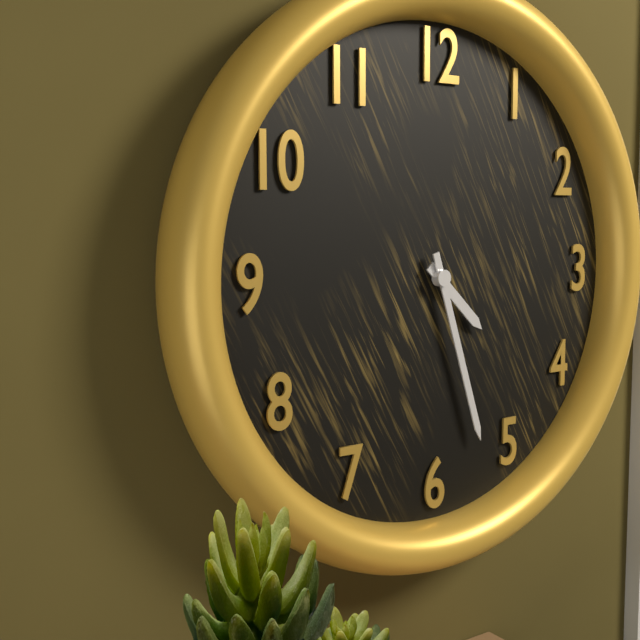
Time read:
4 h 27 min
